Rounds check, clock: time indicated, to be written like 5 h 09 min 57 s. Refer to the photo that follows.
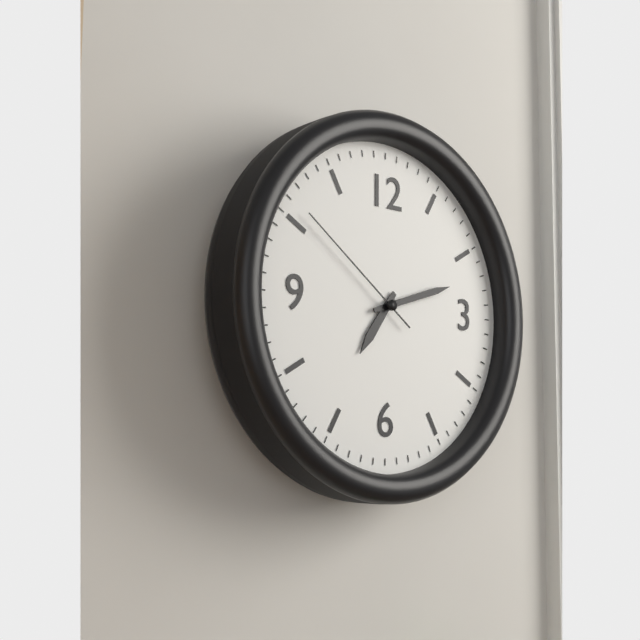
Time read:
7 h 12 min 51 s
